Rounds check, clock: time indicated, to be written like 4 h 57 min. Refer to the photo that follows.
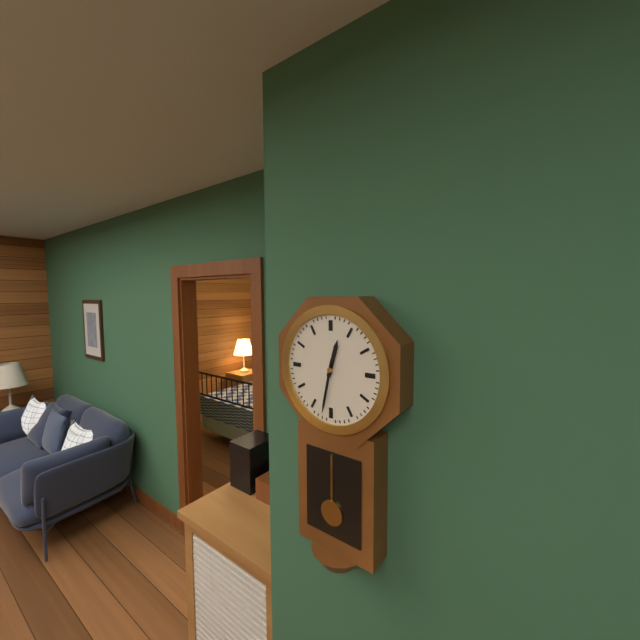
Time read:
12 h 32 min
